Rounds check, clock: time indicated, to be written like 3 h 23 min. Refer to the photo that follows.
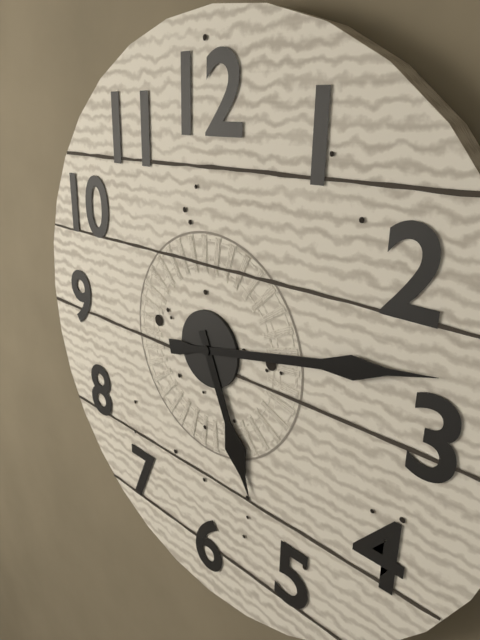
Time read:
5 h 13 min
